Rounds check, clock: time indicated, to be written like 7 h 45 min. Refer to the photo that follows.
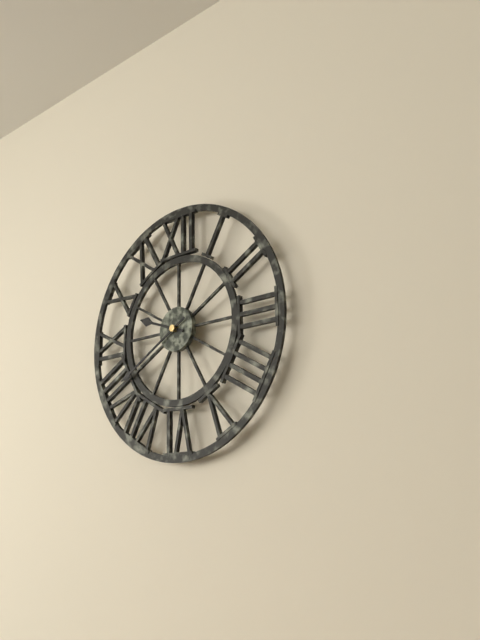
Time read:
9 h 40 min
